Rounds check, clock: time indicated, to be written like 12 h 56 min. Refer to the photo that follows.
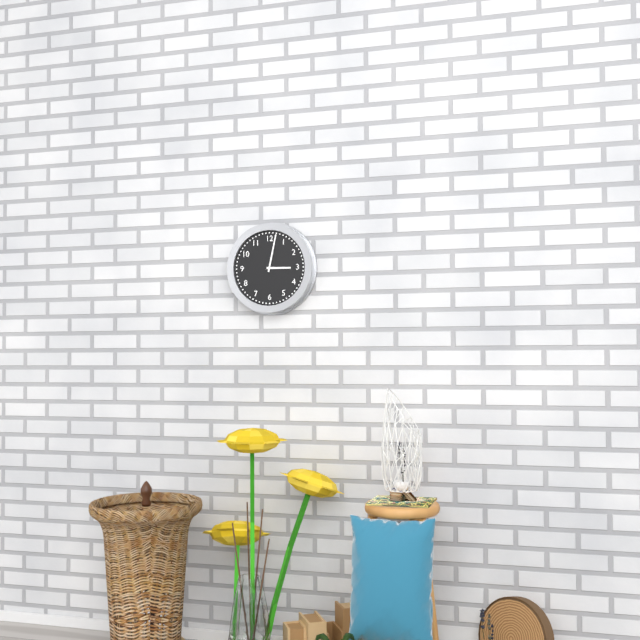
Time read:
3 h 02 min
